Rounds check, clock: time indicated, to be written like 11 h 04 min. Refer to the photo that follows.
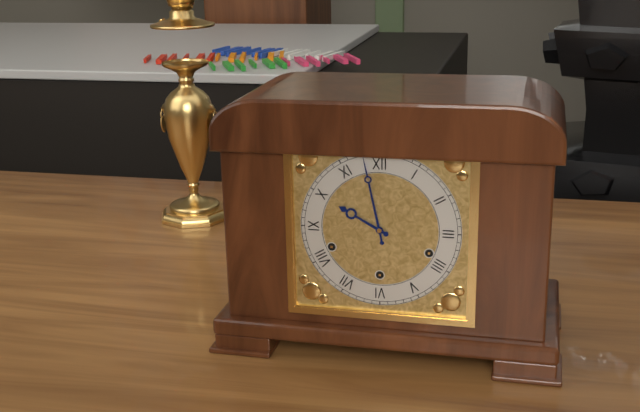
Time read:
9 h 58 min
